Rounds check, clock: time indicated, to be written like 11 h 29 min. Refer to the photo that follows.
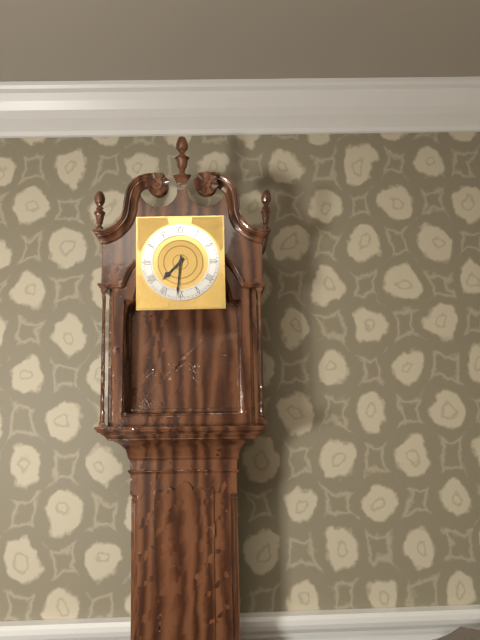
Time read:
7 h 31 min
